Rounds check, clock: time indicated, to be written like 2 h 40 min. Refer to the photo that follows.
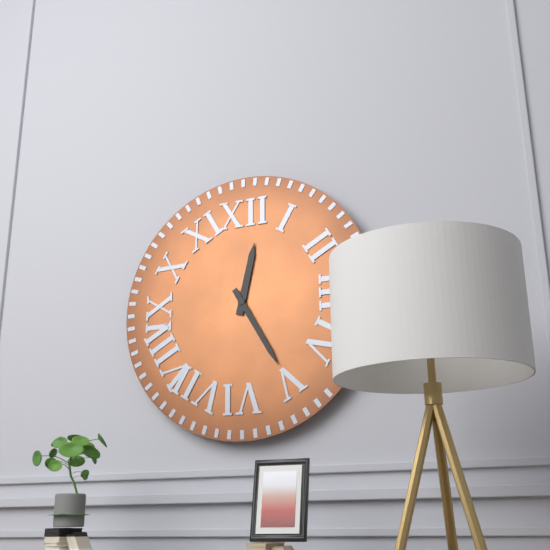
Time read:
12 h 25 min
